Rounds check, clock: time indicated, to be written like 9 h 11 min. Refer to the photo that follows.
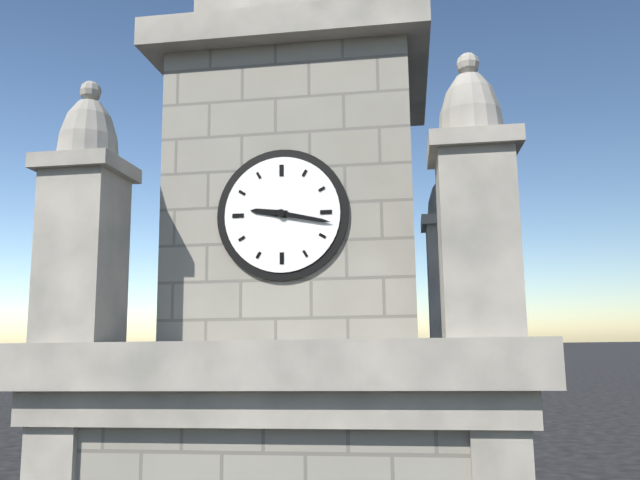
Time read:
9 h 17 min
